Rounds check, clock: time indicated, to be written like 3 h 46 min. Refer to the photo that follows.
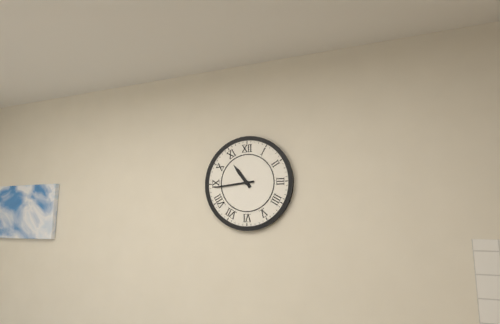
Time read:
10 h 44 min
